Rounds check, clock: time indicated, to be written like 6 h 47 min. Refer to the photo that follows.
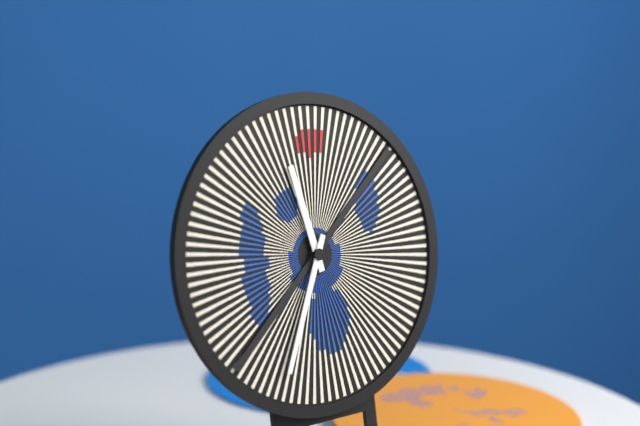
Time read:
11 h 34 min
